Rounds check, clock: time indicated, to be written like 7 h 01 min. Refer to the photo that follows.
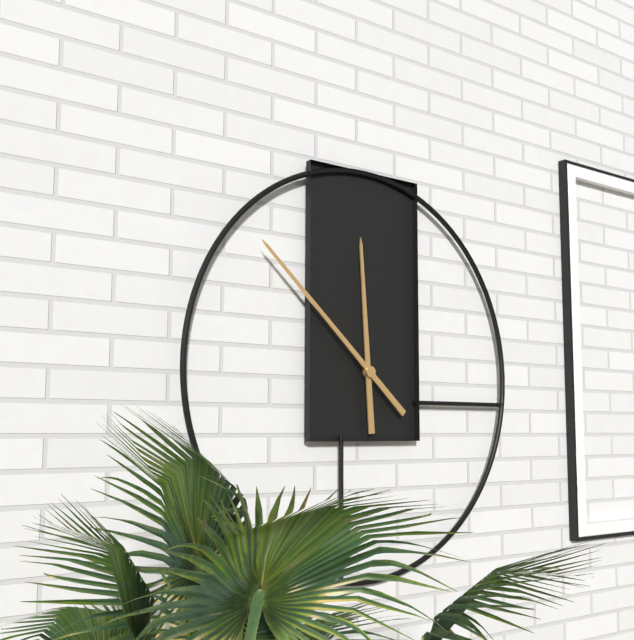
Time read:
11 h 52 min
